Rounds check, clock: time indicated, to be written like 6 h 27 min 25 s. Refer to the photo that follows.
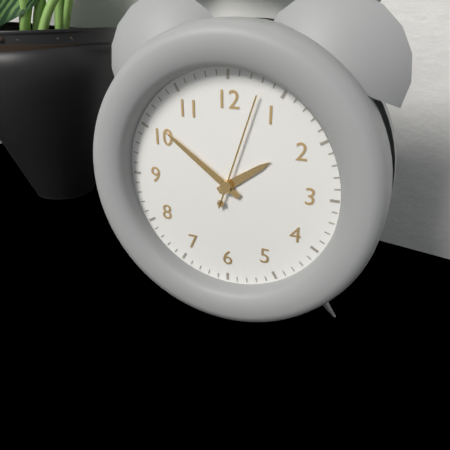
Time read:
1 h 51 min 03 s
